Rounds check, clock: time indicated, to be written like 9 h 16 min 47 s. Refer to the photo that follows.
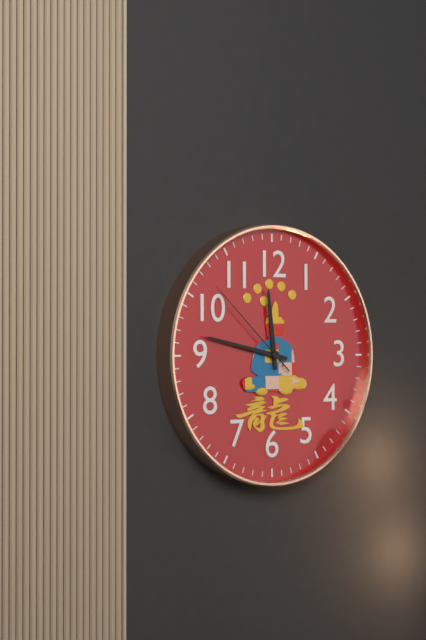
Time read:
11 h 47 min 52 s
